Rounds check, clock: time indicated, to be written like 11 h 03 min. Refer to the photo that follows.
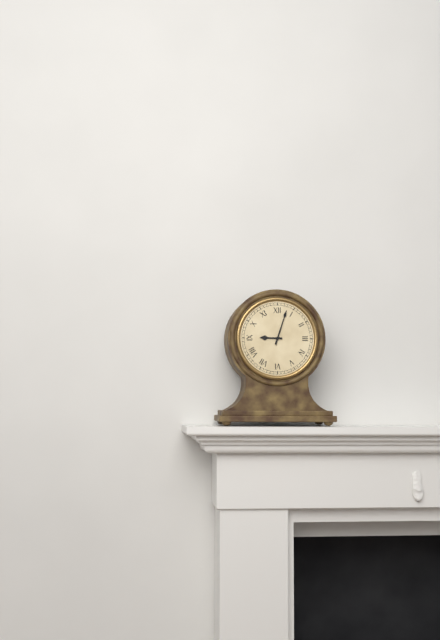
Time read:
9 h 03 min
